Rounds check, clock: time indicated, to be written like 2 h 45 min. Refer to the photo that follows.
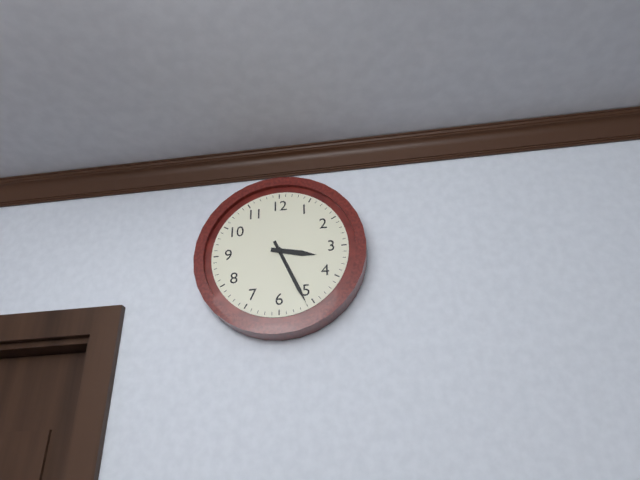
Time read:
3 h 26 min
